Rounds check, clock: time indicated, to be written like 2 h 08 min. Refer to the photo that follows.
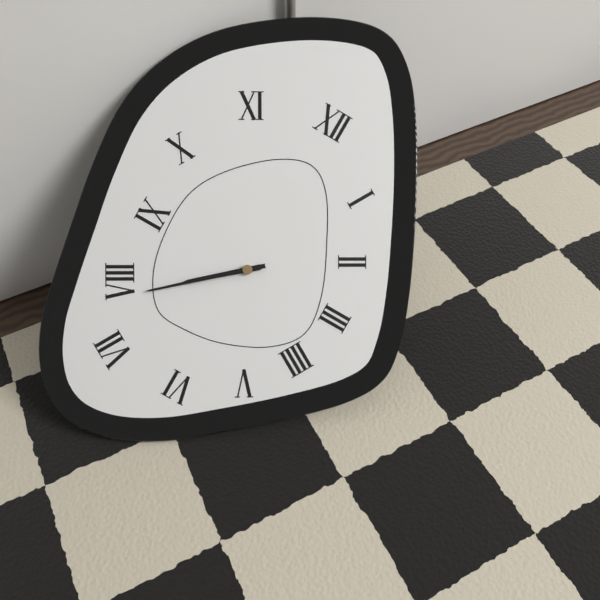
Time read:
7 h 38 min
